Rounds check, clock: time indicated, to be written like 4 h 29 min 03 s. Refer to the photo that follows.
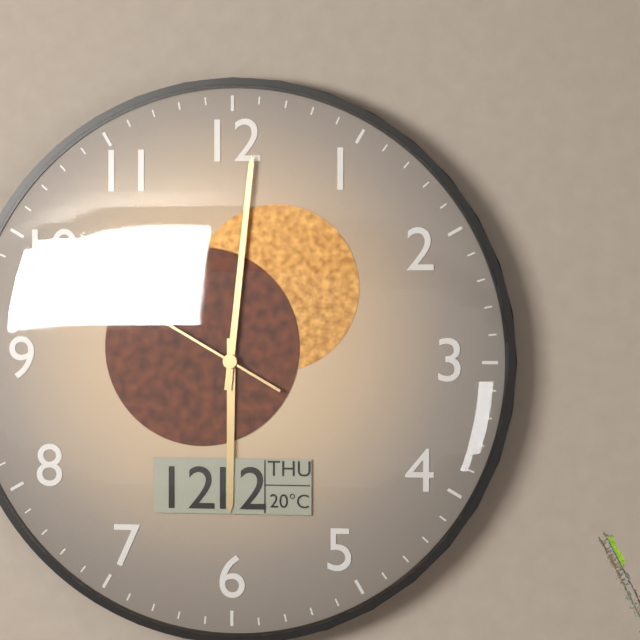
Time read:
6 h 01 min 50 s
